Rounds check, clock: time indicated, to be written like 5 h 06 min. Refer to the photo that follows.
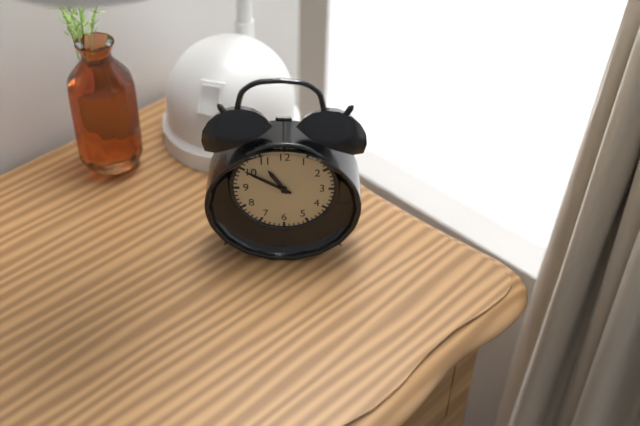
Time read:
10 h 50 min
